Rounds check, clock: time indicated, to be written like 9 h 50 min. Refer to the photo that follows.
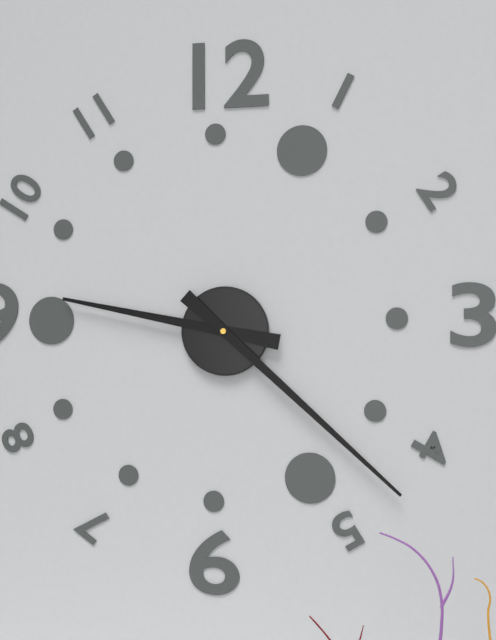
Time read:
9 h 22 min
